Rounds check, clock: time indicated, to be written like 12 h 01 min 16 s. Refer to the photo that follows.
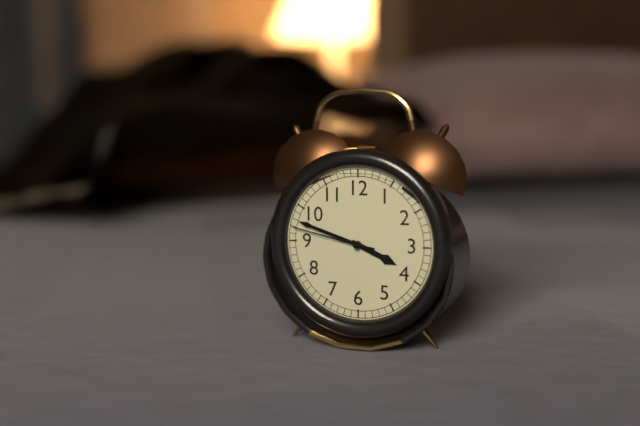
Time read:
3 h 48 min 47 s
